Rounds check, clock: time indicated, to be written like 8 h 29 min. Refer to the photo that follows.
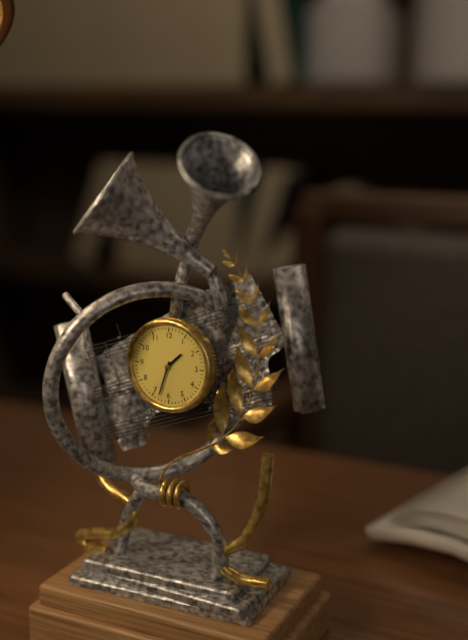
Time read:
1 h 33 min
